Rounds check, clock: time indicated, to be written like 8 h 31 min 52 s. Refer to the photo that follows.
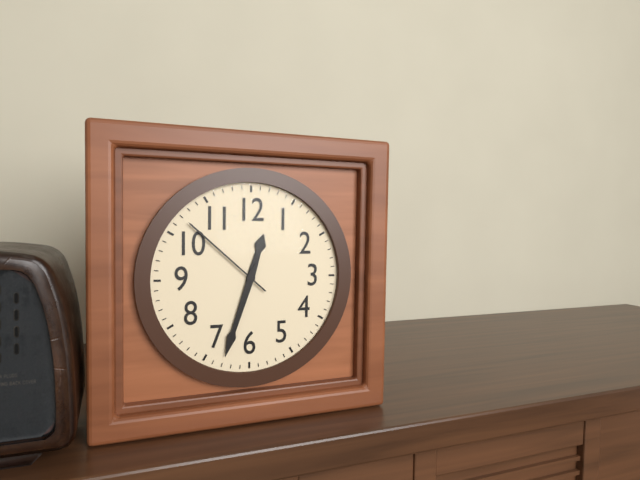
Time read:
12 h 33 min 52 s
